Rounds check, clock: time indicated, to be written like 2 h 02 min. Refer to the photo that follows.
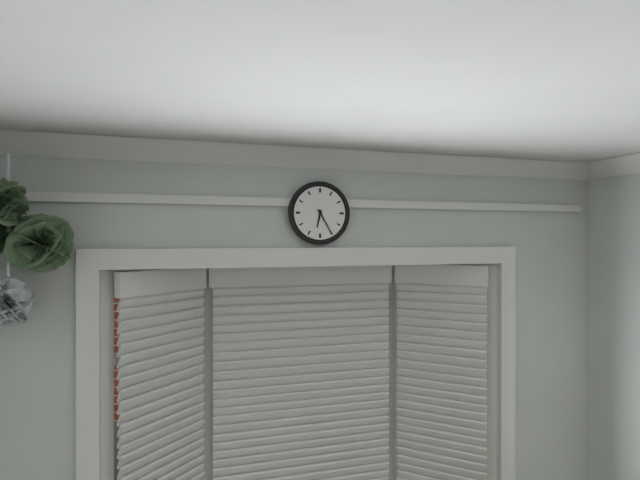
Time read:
6 h 25 min
